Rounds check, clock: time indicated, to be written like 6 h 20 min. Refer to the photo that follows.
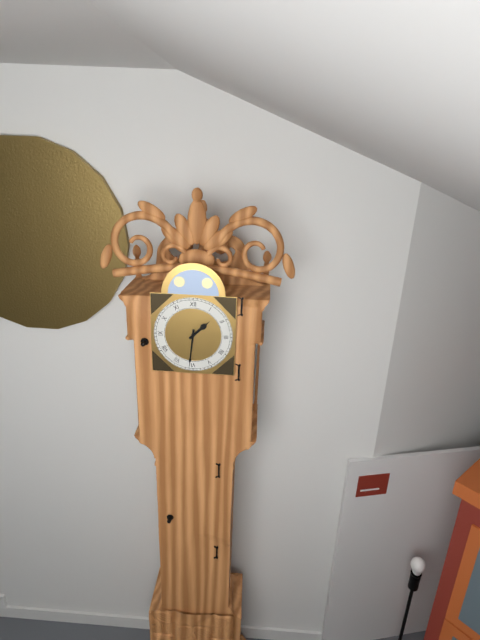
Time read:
1 h 31 min
